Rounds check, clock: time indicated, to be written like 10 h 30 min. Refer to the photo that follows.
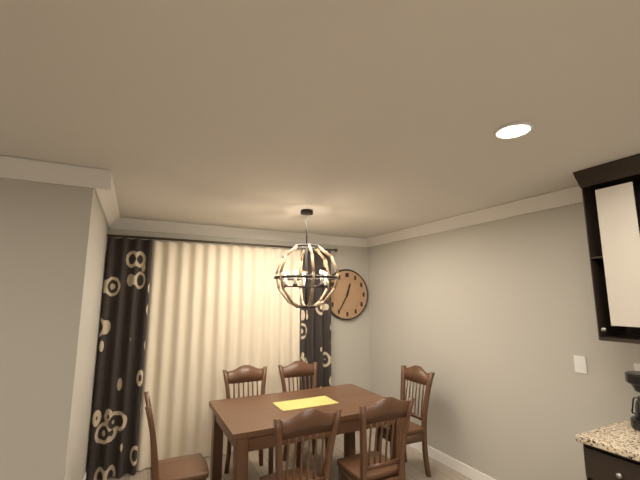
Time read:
12 h 35 min
